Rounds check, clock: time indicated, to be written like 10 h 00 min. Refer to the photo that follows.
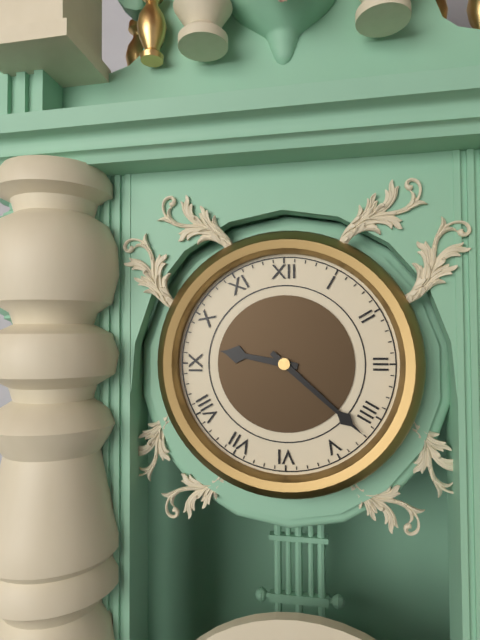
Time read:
9 h 22 min
